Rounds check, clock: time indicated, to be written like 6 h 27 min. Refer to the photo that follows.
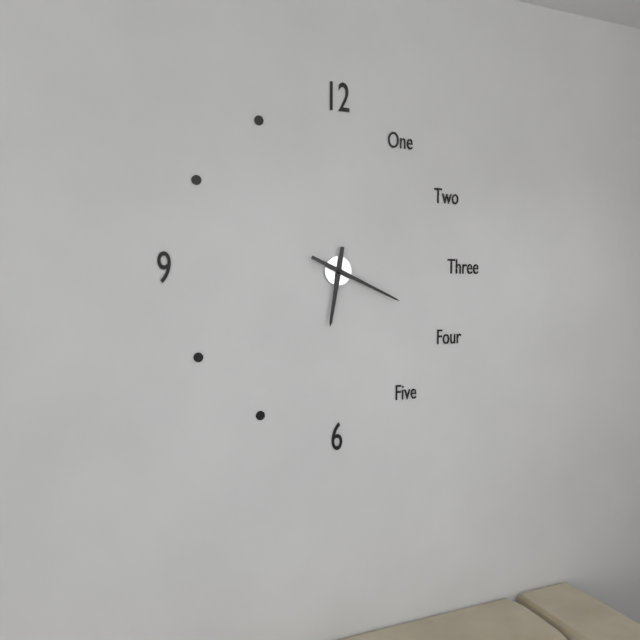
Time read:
6 h 19 min
